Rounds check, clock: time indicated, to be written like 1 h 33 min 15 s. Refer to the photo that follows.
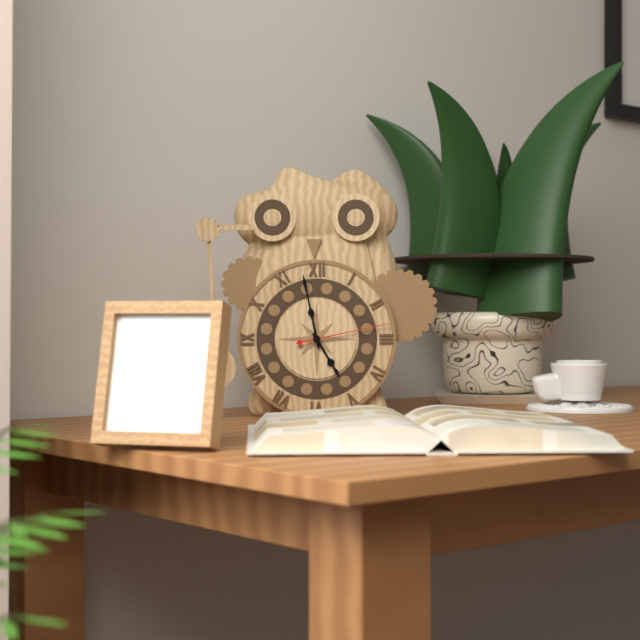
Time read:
4 h 58 min 13 s
